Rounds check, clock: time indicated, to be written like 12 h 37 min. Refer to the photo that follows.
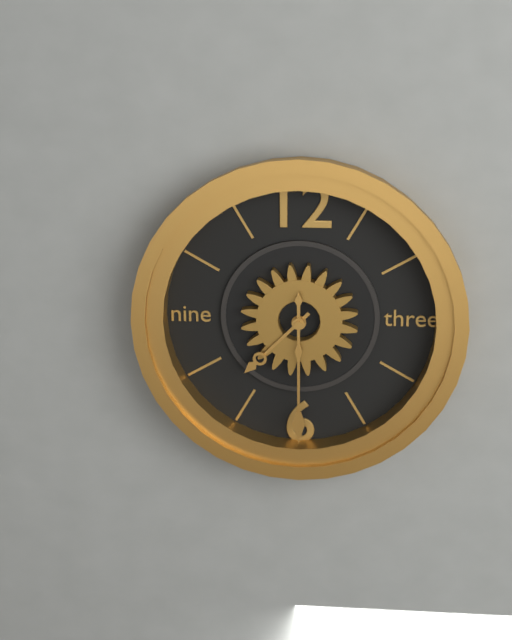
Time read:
7 h 30 min
